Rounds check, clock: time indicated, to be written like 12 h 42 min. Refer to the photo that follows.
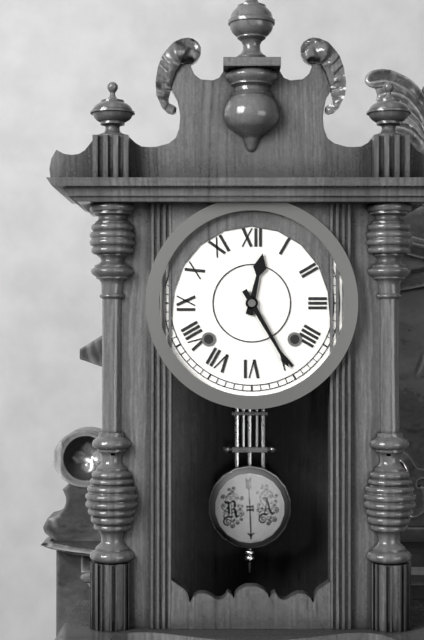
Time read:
12 h 25 min
